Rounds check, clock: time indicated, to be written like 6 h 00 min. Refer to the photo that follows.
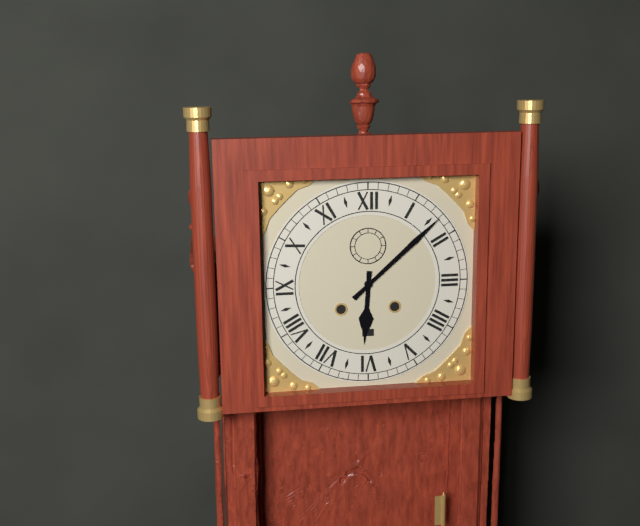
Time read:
6 h 08 min
